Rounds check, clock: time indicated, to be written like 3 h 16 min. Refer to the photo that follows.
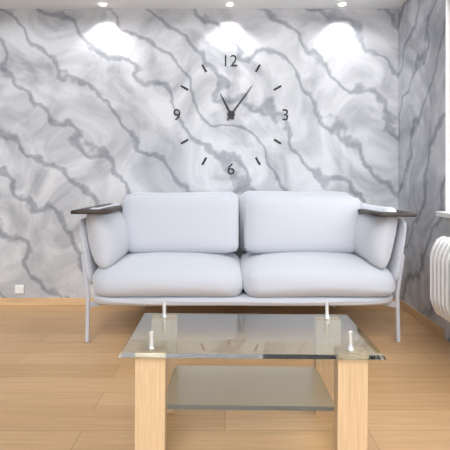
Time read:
11 h 06 min
